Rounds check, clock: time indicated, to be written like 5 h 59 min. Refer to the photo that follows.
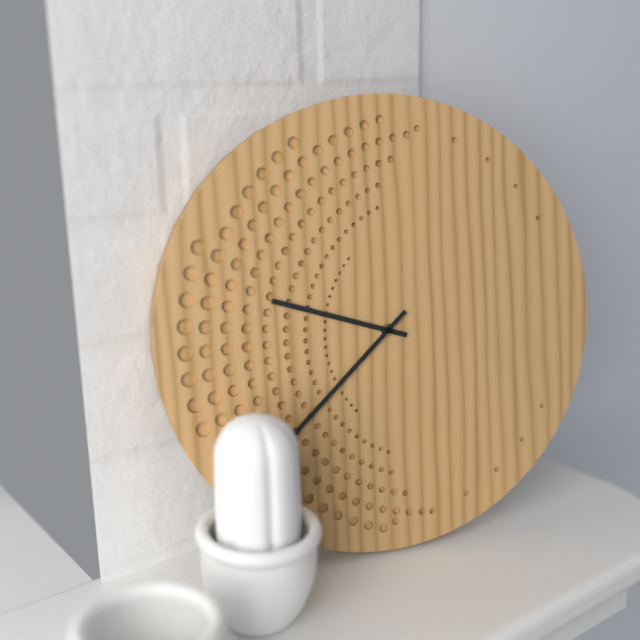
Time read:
9 h 38 min
